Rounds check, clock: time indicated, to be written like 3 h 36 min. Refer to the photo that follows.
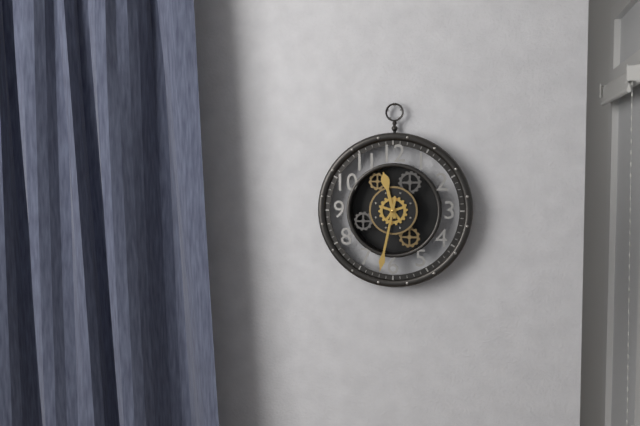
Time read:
11 h 32 min
